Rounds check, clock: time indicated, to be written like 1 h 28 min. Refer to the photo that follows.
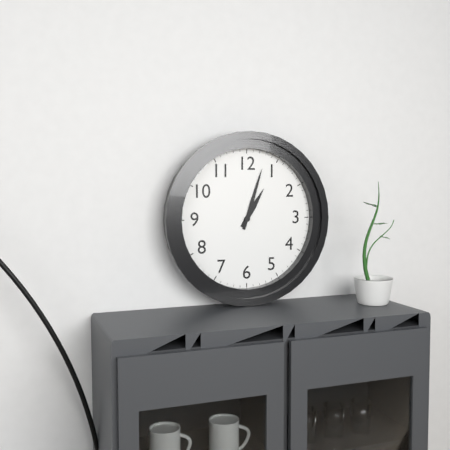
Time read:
1 h 03 min
